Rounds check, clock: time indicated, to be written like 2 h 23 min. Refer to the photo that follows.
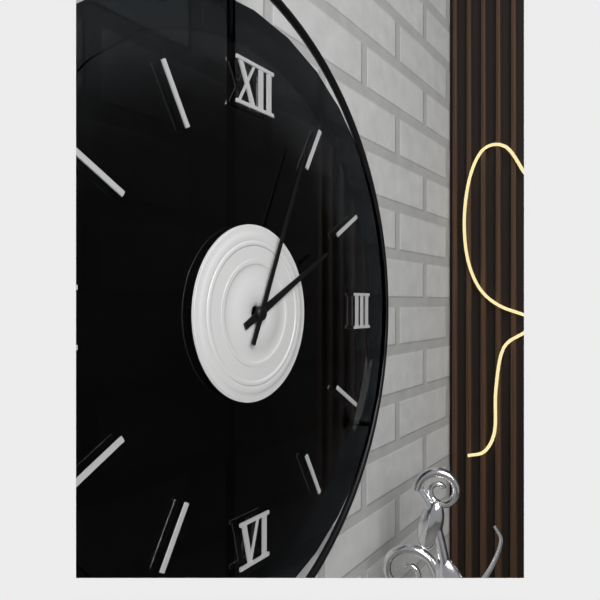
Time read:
2 h 04 min
